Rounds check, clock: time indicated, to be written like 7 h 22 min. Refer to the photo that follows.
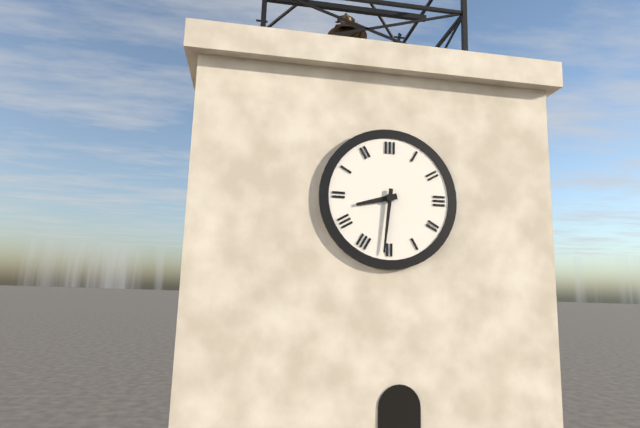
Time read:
8 h 31 min
